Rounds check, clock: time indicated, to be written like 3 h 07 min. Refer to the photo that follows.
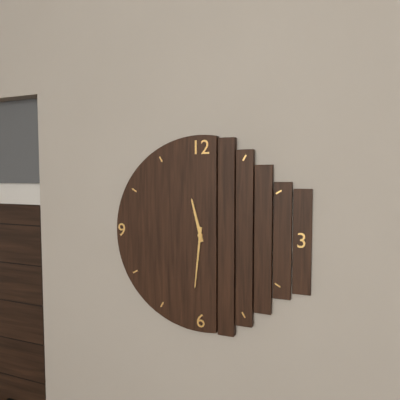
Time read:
11 h 31 min
